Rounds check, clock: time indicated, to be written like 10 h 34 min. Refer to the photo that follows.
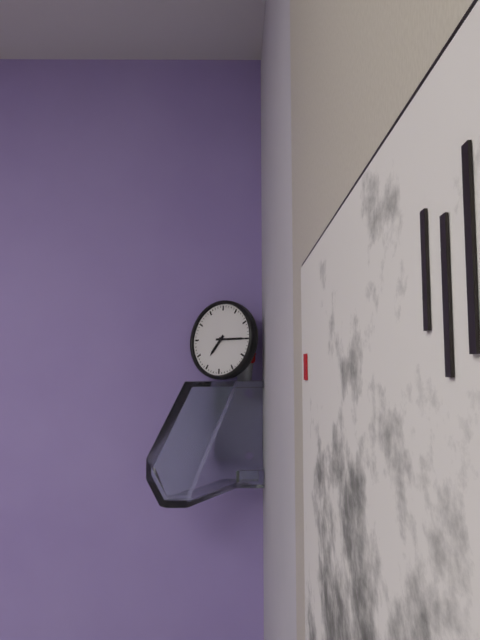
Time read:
7 h 15 min
